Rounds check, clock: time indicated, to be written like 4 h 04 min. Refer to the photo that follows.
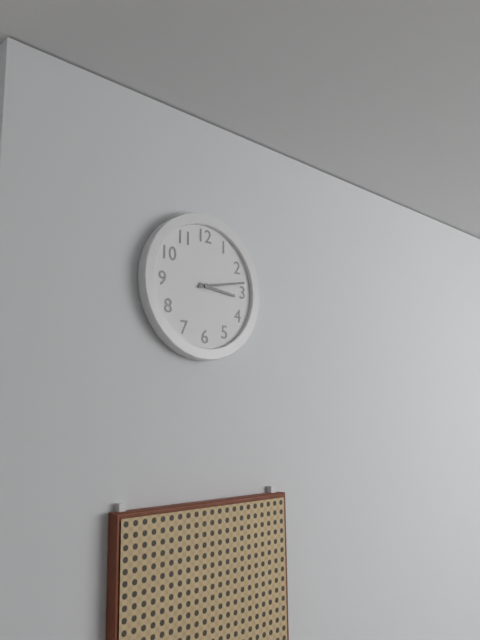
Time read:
3 h 13 min
